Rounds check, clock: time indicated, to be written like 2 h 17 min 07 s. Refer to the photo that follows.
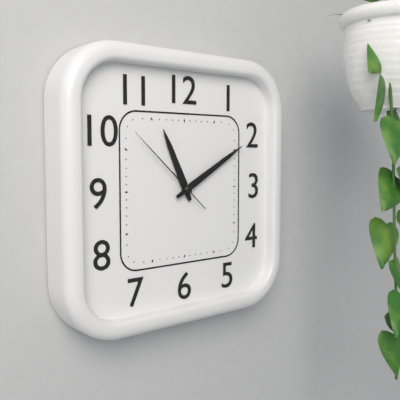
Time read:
11 h 10 min 52 s
